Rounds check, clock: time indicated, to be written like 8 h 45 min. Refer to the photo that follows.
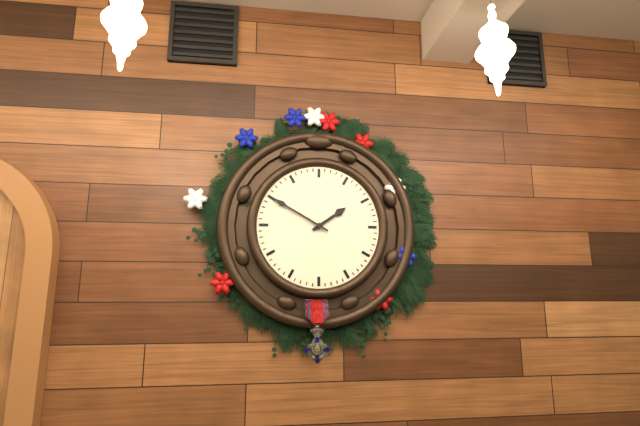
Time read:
1 h 50 min
